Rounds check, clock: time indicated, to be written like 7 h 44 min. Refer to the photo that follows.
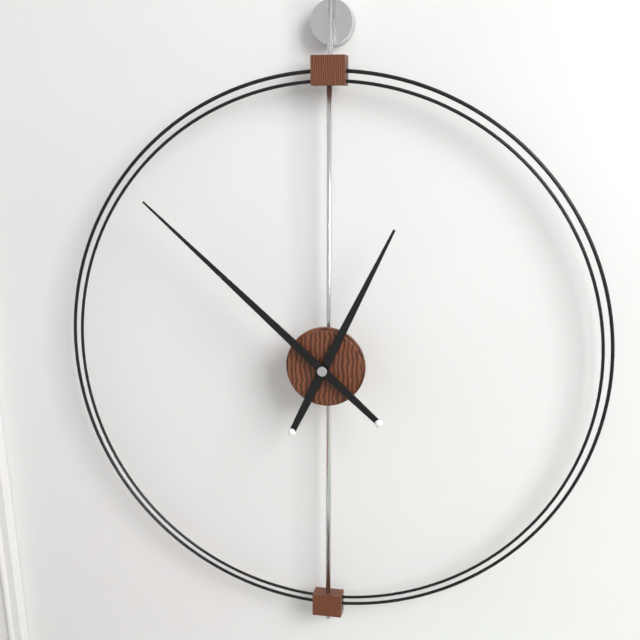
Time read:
12 h 52 min
